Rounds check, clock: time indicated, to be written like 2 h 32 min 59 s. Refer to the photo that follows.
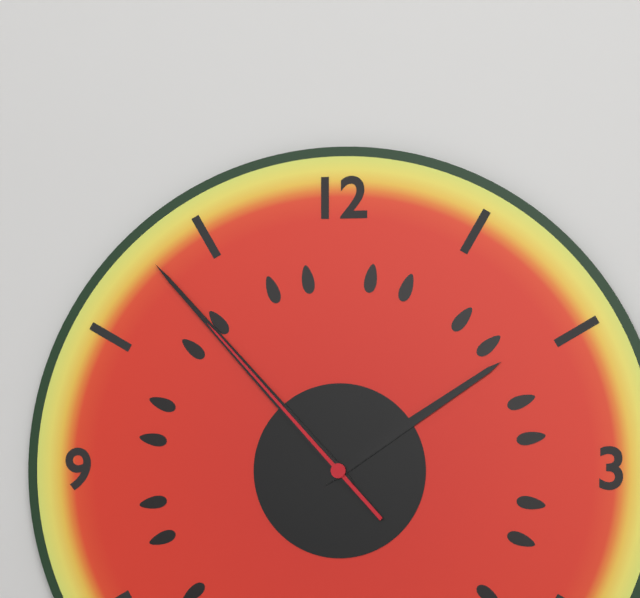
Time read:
1 h 53 min 53 s
